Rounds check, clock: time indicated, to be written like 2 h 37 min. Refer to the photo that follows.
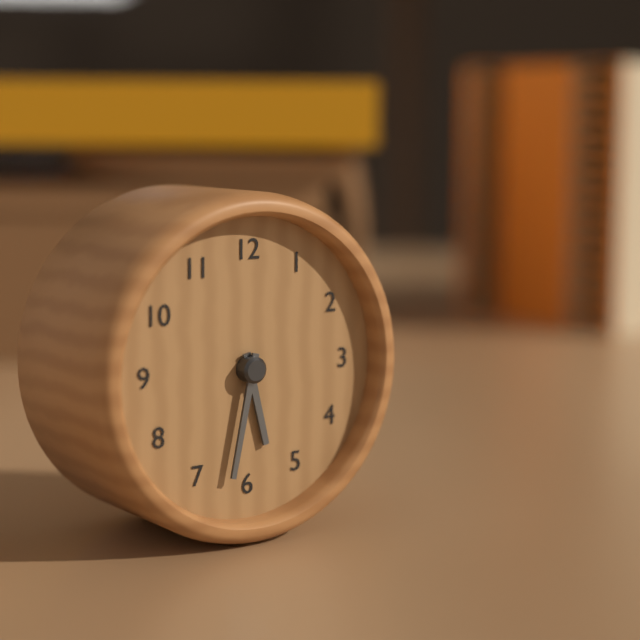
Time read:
5 h 32 min
